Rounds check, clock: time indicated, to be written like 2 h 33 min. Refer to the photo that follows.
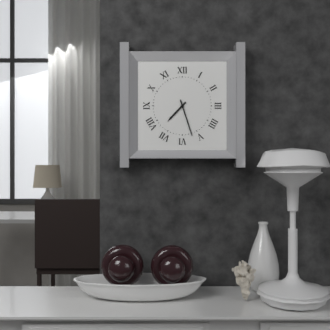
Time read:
7 h 27 min
